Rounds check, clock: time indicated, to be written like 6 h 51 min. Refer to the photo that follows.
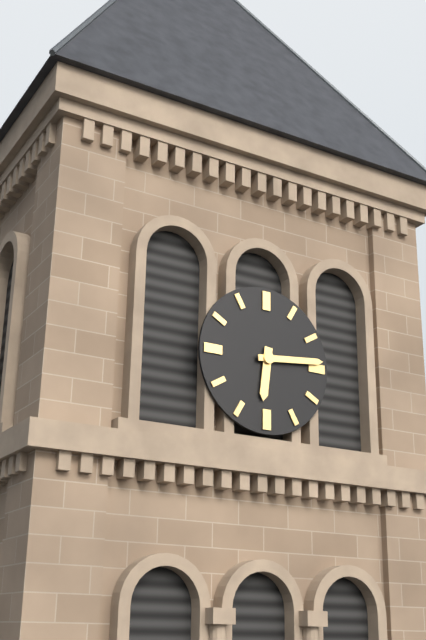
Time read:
6 h 14 min
